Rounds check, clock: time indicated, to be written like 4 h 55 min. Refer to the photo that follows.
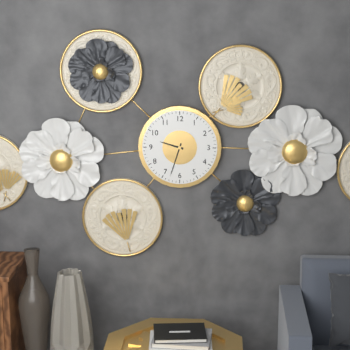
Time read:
9 h 33 min
